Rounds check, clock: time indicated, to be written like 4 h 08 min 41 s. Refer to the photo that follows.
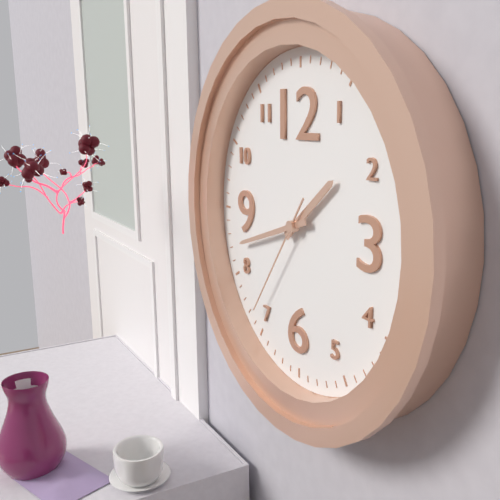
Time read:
1 h 42 min 36 s
